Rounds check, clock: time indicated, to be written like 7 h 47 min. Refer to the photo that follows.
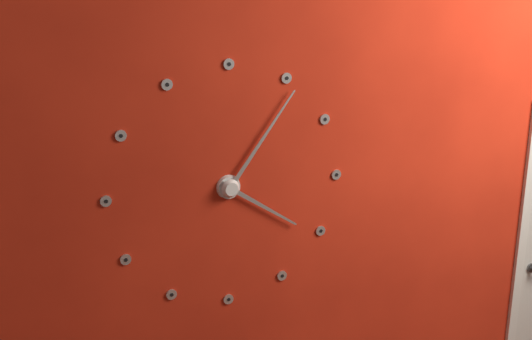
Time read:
4 h 06 min
